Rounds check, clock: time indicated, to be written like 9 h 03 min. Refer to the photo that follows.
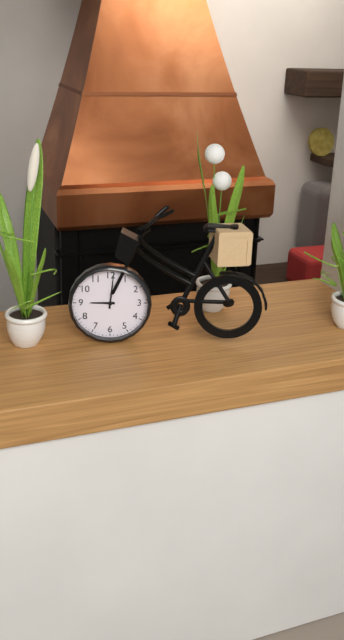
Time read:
9 h 01 min
